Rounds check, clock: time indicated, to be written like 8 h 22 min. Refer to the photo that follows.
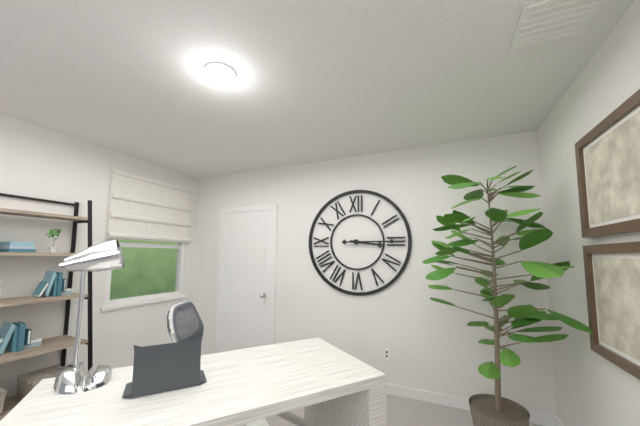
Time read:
3 h 15 min
